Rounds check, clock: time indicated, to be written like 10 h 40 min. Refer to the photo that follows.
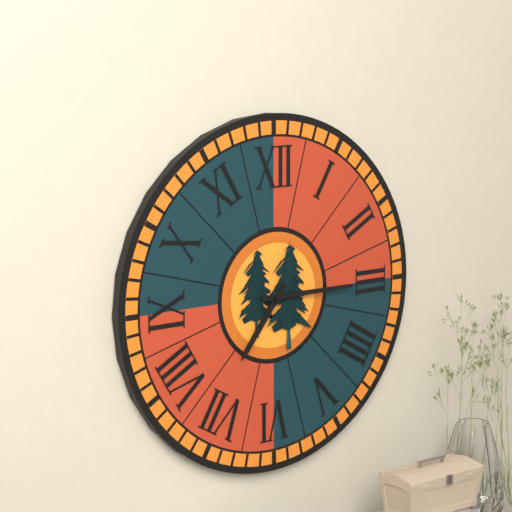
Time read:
7 h 15 min
